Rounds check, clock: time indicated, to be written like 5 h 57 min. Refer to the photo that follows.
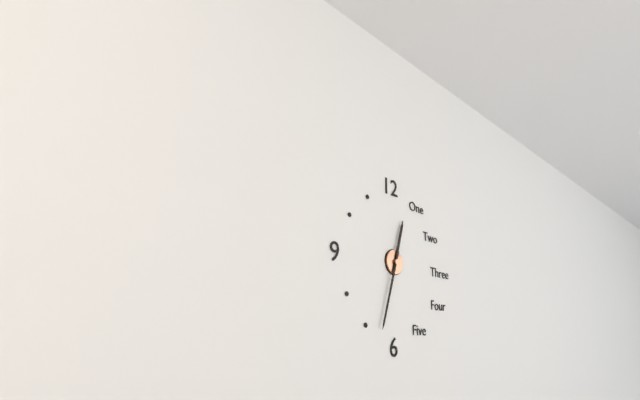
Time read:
12 h 33 min
